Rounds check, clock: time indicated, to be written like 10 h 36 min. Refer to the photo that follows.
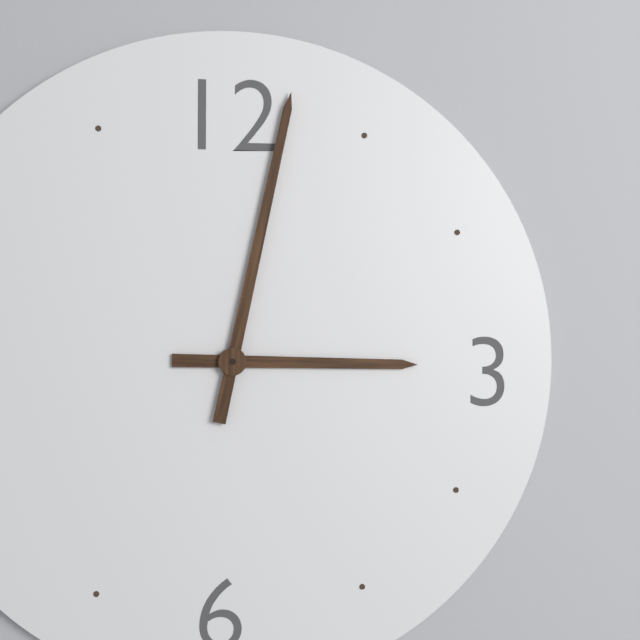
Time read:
3 h 02 min
